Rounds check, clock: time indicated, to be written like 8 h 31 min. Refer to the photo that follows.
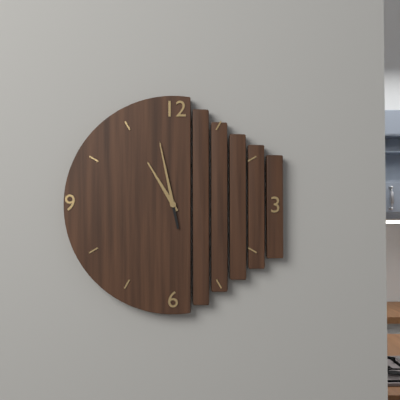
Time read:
10 h 58 min
